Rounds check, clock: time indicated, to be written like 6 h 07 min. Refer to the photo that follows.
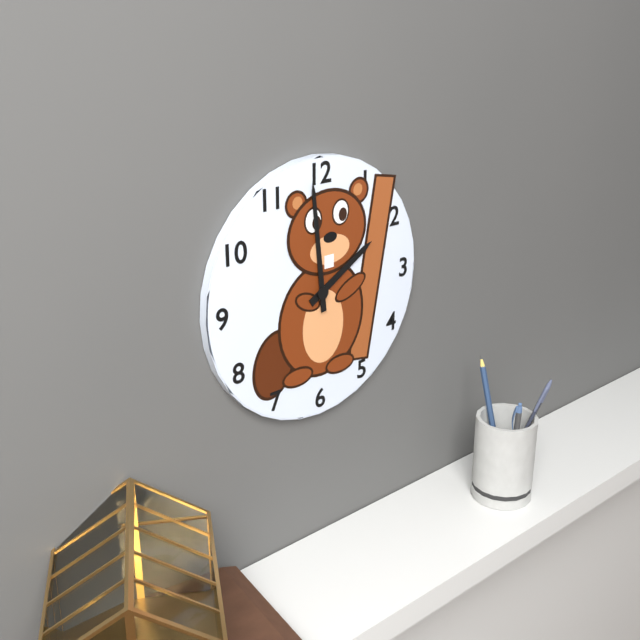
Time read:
1 h 59 min
